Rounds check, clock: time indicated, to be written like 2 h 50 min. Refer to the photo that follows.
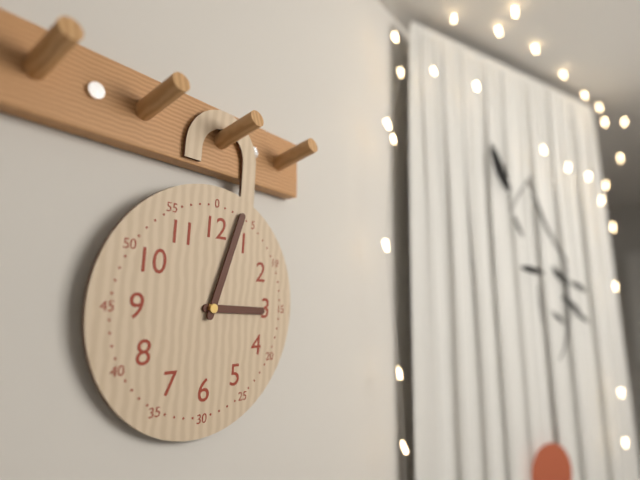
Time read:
3 h 03 min
